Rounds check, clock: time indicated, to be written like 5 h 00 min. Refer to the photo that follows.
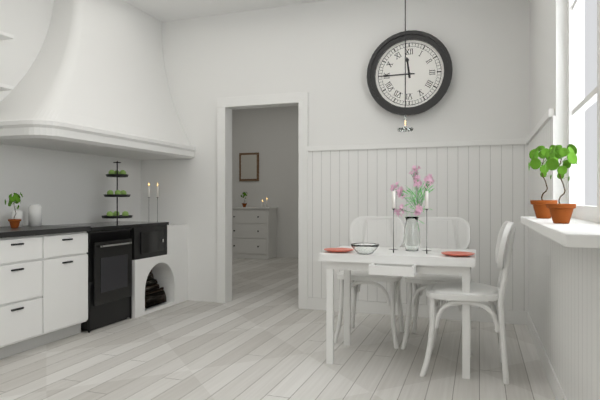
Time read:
11 h 45 min
